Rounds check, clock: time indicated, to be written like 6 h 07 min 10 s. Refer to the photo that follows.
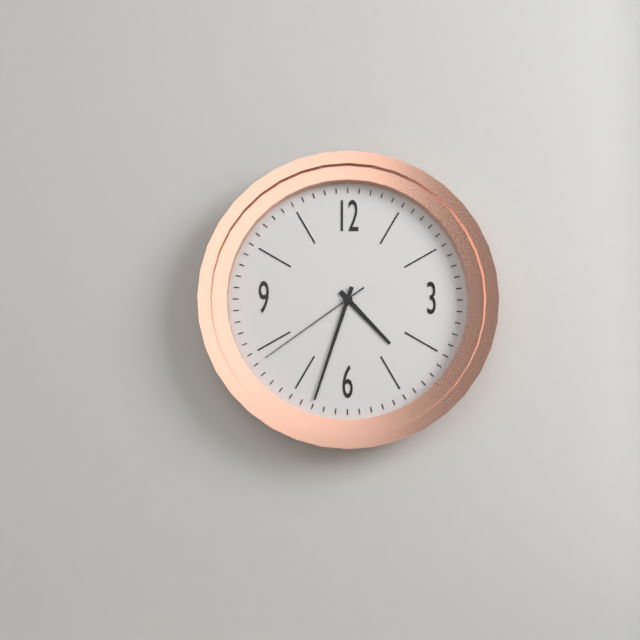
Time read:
4 h 33 min 39 s
